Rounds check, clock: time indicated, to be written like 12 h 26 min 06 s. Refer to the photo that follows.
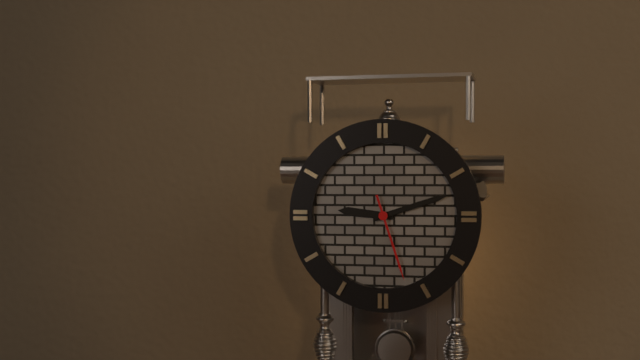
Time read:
9 h 12 min 27 s
